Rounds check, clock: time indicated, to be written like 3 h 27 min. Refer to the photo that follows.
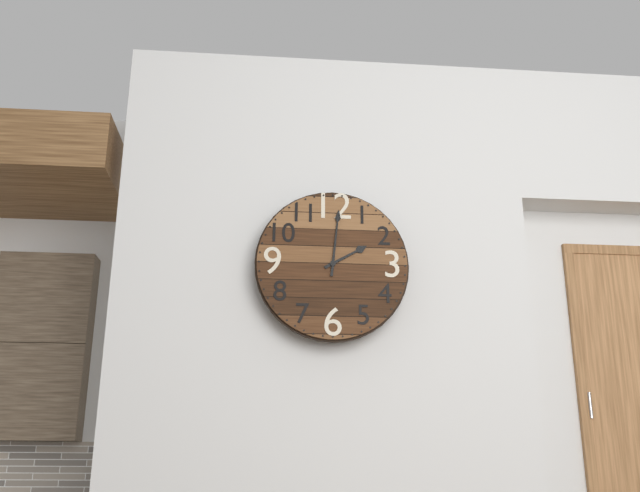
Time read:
2 h 01 min
